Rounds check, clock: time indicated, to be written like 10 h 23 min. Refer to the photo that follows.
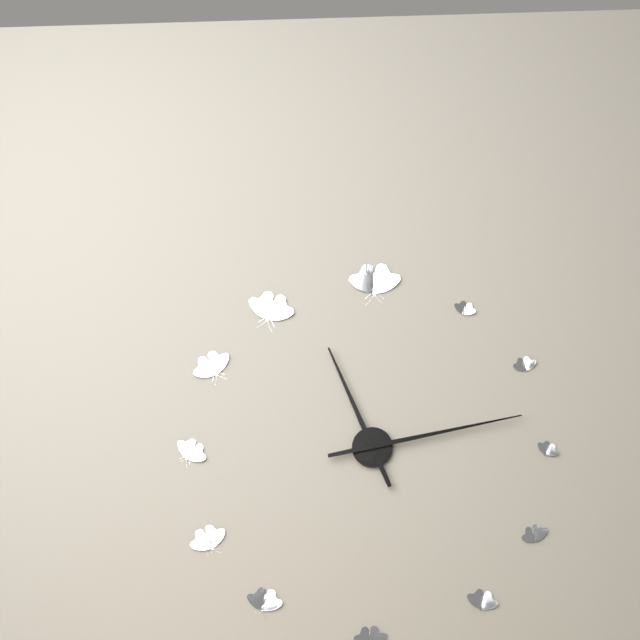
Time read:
11 h 13 min
